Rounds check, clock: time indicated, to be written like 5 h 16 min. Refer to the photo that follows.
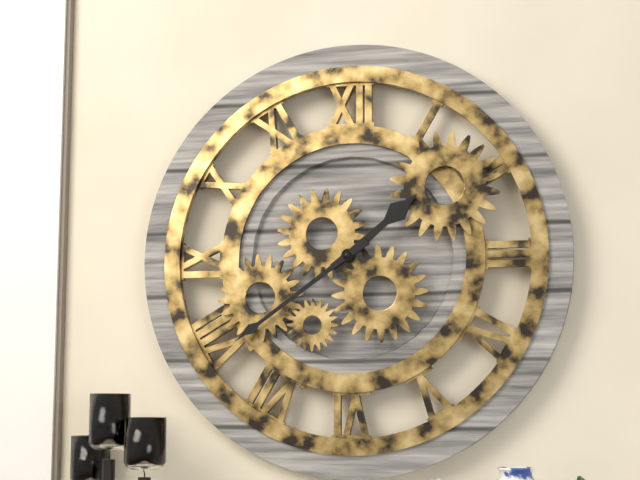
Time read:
1 h 39 min
